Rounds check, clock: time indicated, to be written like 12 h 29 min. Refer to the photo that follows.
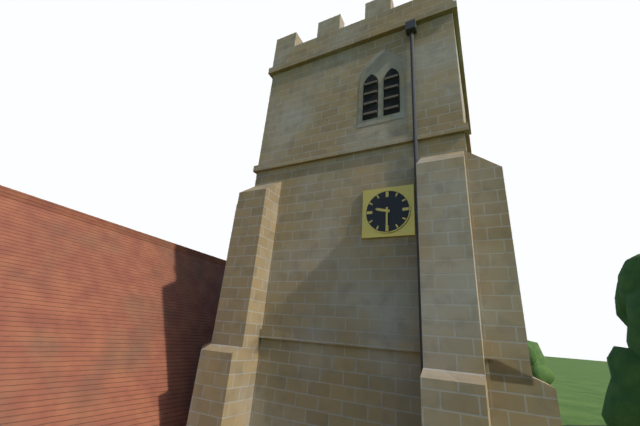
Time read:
9 h 30 min
